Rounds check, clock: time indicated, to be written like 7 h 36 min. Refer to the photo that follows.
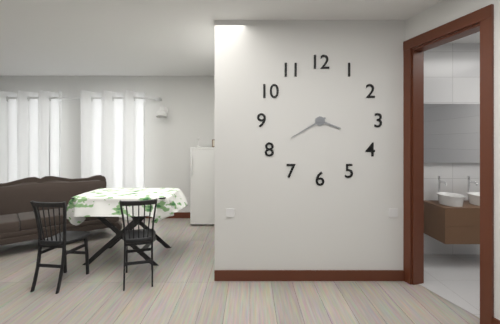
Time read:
3 h 40 min
